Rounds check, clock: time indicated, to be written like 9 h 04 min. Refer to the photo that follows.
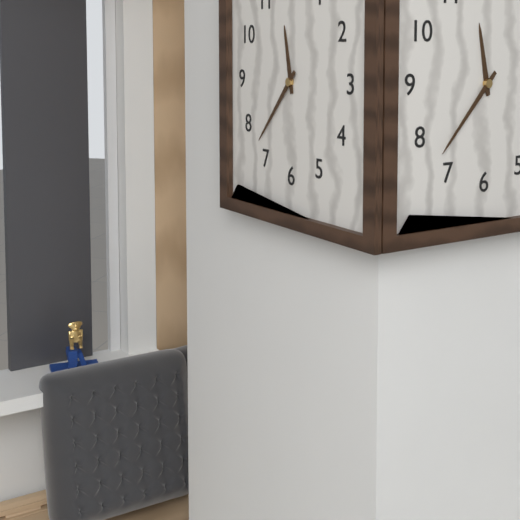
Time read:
11 h 37 min
